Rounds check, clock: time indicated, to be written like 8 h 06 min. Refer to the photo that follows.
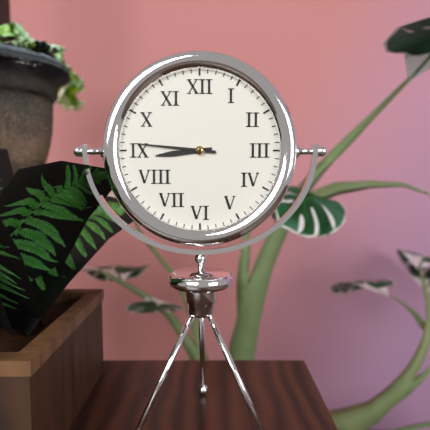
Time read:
8 h 46 min
